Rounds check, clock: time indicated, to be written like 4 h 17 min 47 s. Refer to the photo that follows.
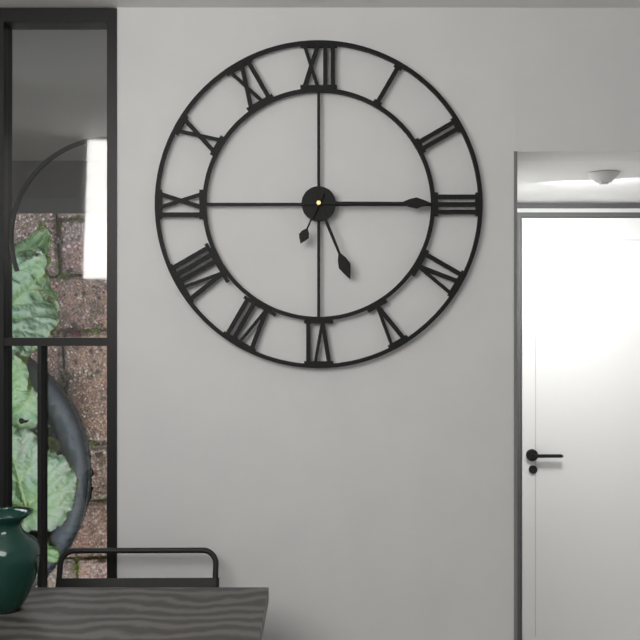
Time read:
5 h 15 min 34 s
